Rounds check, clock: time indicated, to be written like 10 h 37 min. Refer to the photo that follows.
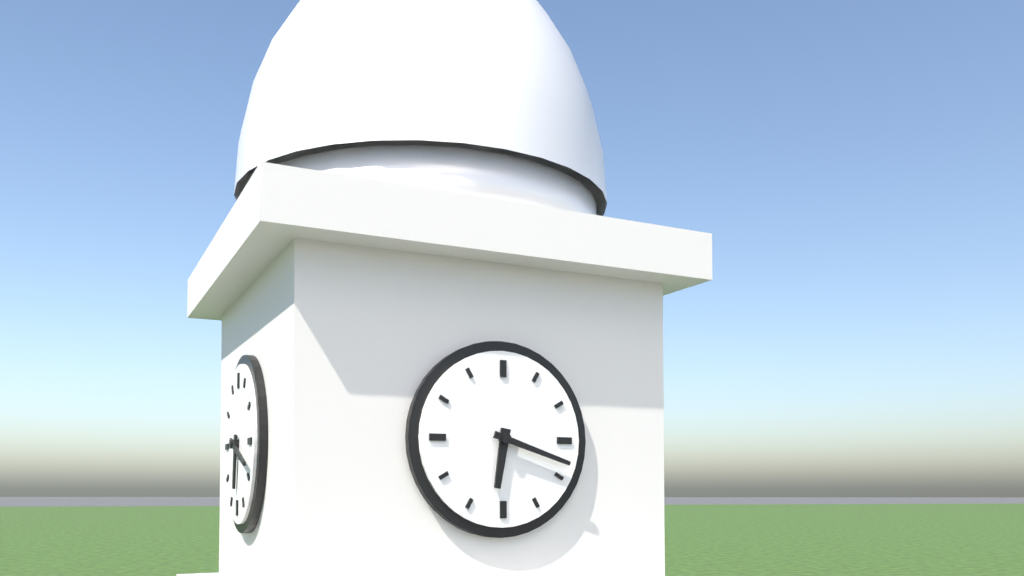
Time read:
6 h 18 min
